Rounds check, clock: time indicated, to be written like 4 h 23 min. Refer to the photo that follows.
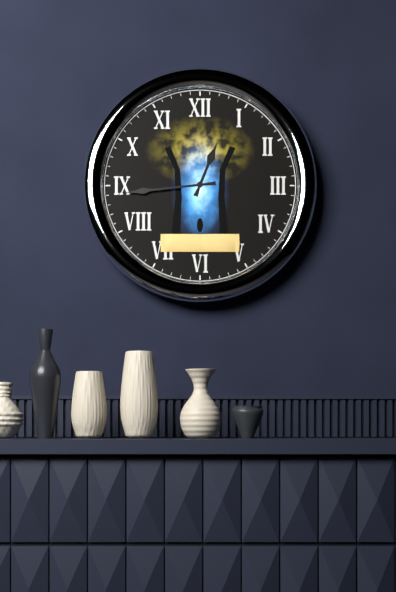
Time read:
12 h 44 min
